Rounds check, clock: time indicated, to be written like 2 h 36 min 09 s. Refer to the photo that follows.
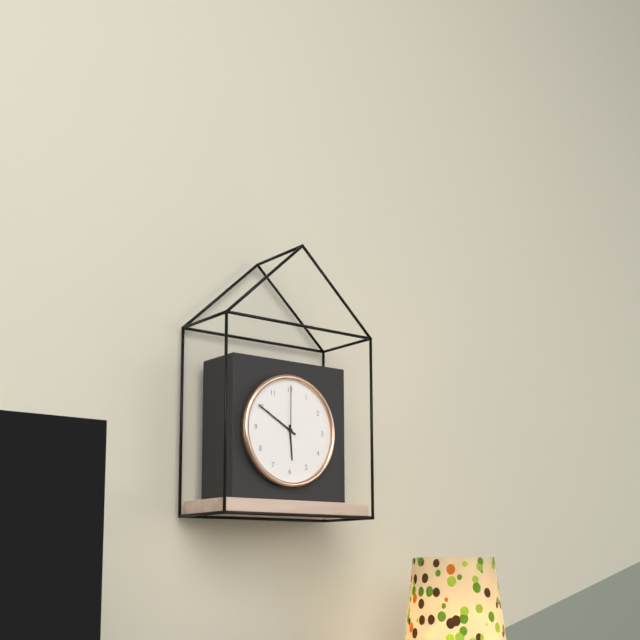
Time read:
5 h 50 min 00 s
